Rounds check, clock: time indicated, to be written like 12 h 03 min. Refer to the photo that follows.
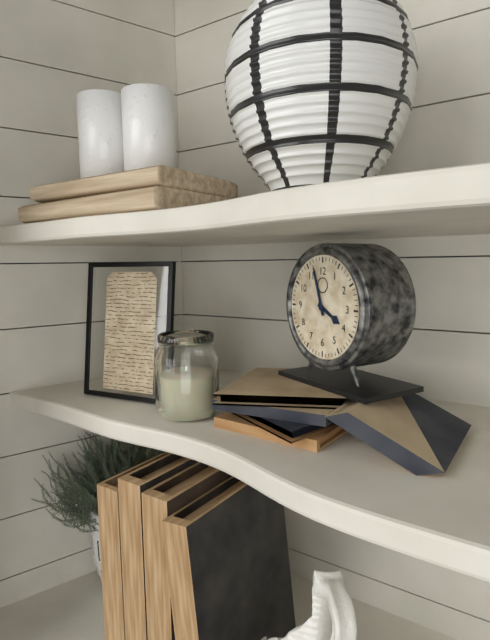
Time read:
3 h 57 min
